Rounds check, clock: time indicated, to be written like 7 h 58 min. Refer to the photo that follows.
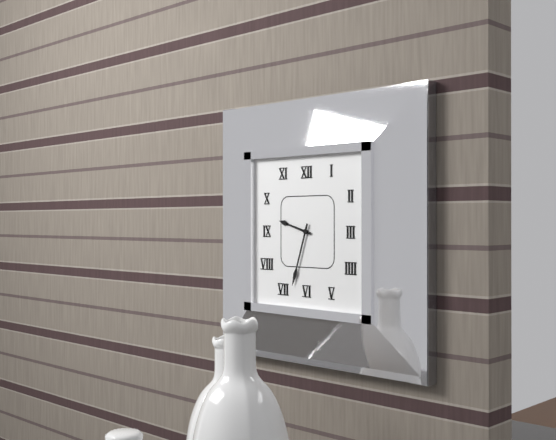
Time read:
9 h 33 min
